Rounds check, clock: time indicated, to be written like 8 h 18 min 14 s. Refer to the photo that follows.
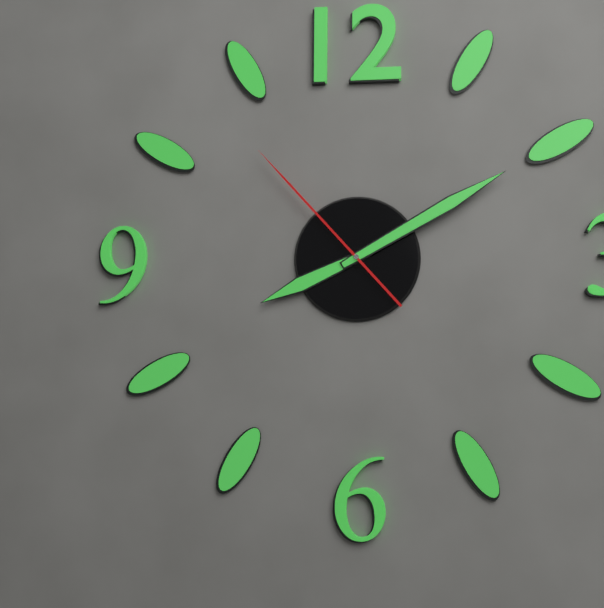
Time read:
8 h 10 min 53 s
